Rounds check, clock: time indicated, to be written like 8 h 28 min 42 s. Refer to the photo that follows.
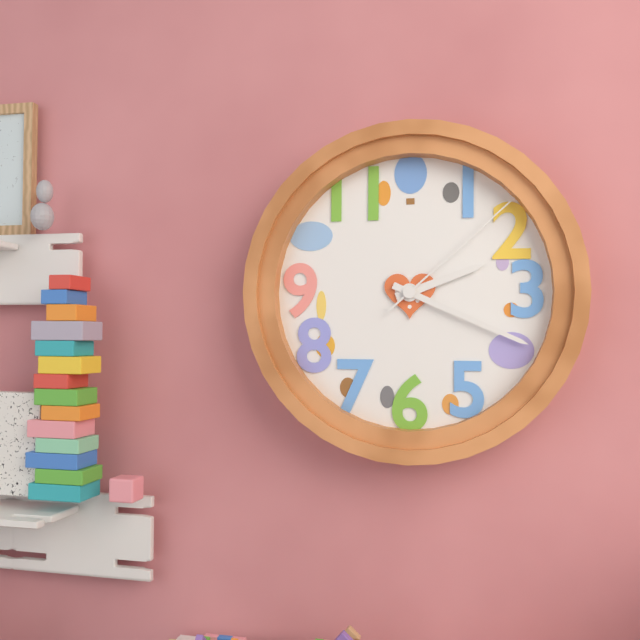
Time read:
2 h 19 min 08 s
